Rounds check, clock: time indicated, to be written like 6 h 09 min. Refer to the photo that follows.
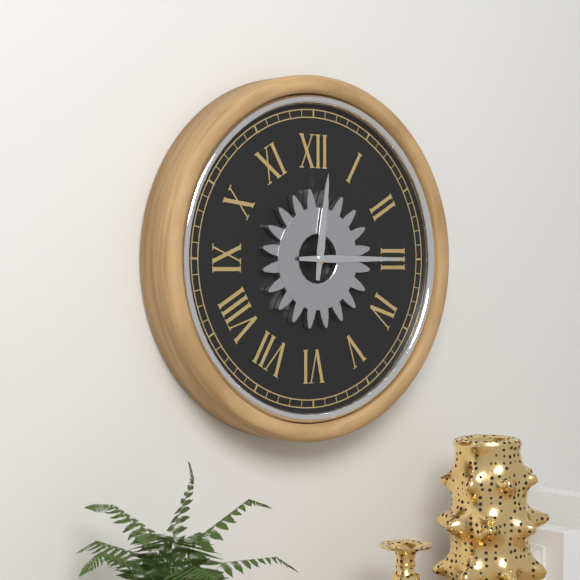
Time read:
12 h 15 min
